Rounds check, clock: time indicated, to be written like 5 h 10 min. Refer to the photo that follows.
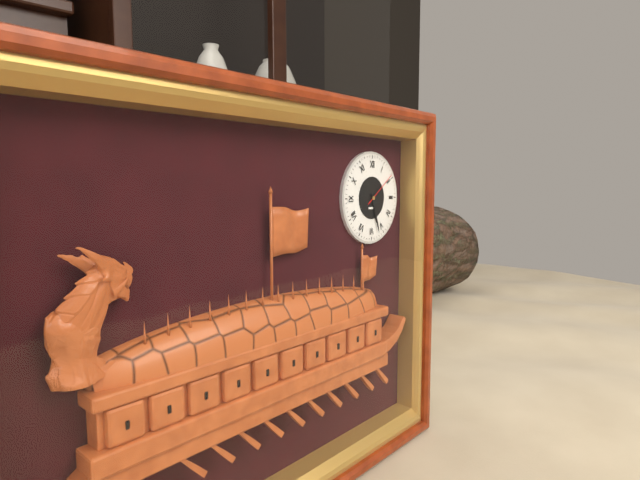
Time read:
5 h 27 min
